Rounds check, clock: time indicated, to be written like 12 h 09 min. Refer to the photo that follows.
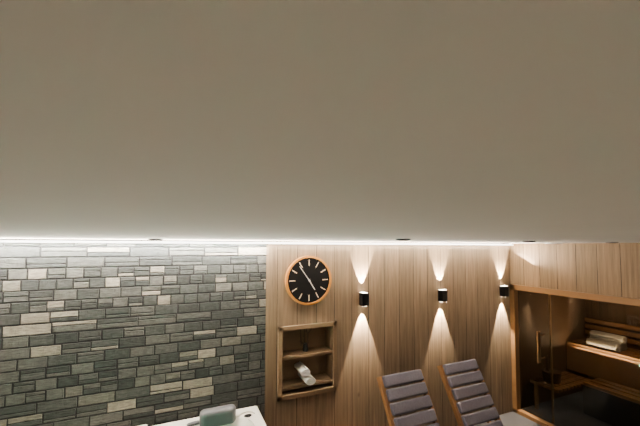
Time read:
4 h 54 min
